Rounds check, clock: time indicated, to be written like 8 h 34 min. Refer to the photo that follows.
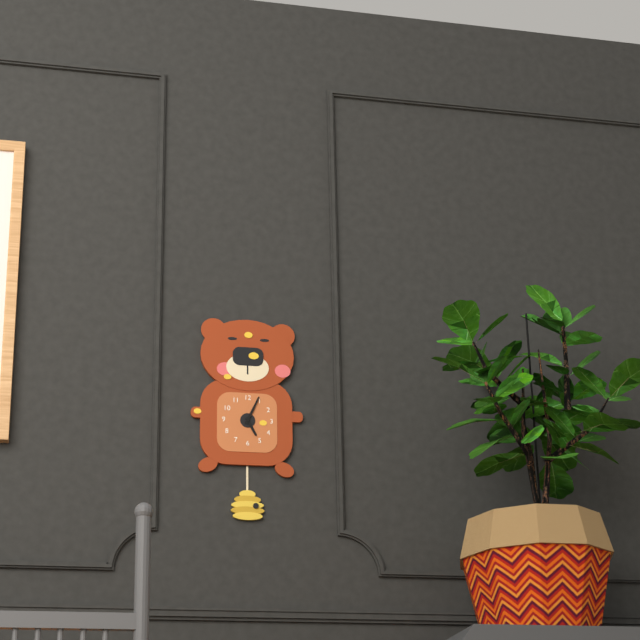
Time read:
5 h 04 min
